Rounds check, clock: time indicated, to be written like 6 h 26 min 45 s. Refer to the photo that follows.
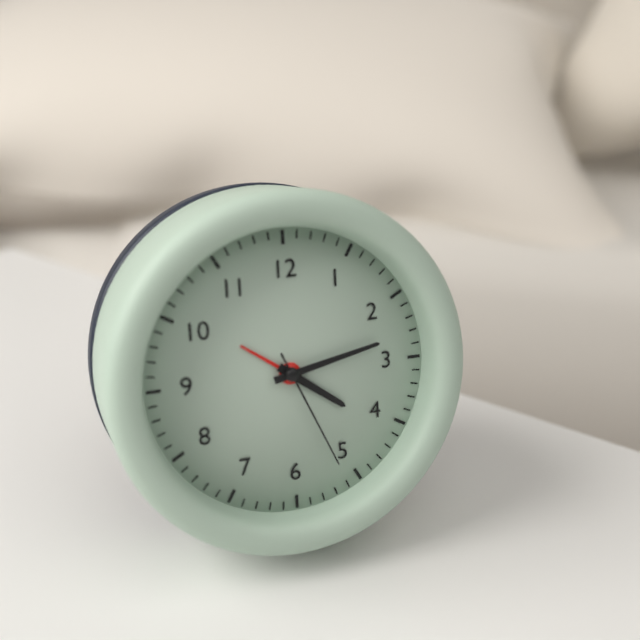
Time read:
4 h 13 min 26 s
